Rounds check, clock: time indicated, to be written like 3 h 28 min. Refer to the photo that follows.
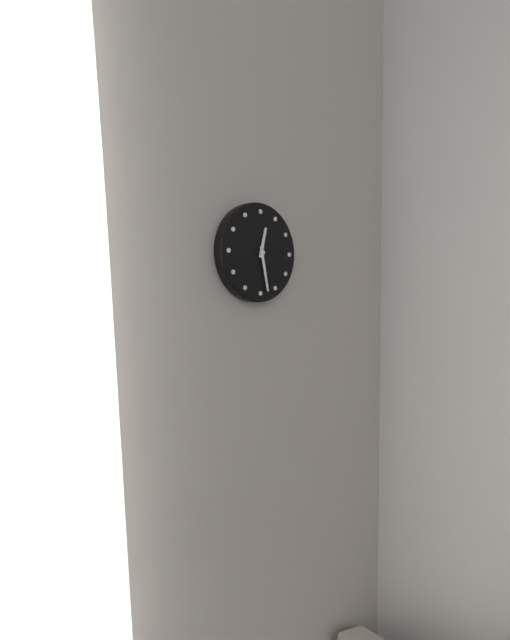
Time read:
12 h 28 min
